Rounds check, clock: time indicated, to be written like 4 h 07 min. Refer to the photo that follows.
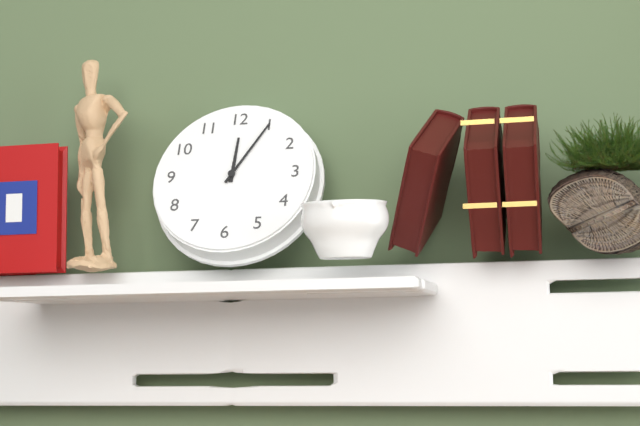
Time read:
12 h 05 min
